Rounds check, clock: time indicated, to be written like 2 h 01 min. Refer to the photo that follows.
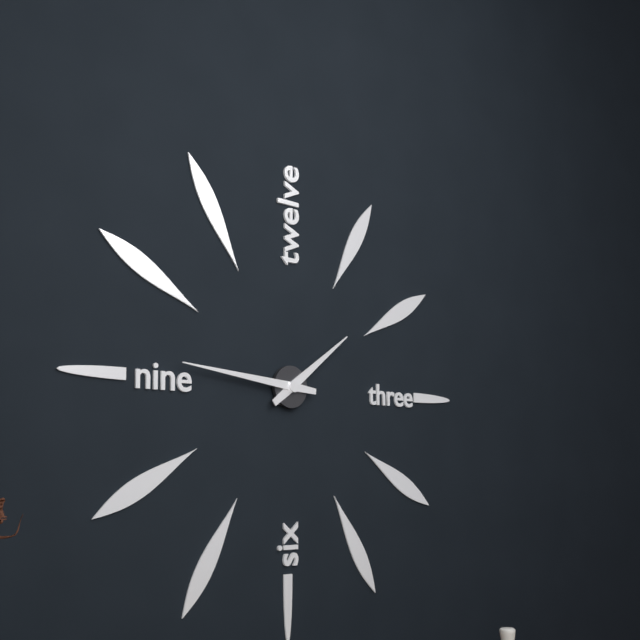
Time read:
1 h 46 min
